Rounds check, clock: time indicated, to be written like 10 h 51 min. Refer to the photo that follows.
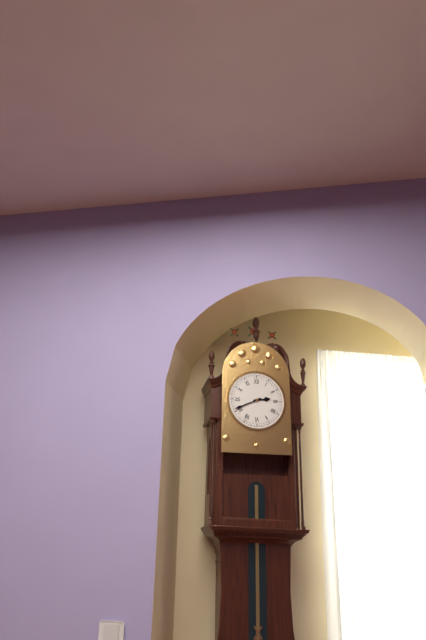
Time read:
2 h 41 min
